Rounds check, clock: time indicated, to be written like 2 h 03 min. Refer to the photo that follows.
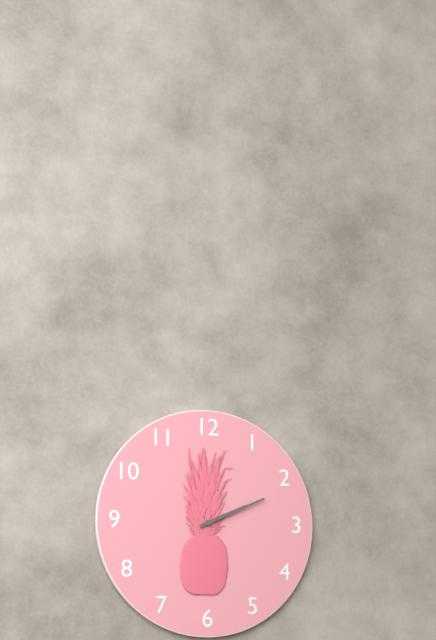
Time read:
2 h 11 min
